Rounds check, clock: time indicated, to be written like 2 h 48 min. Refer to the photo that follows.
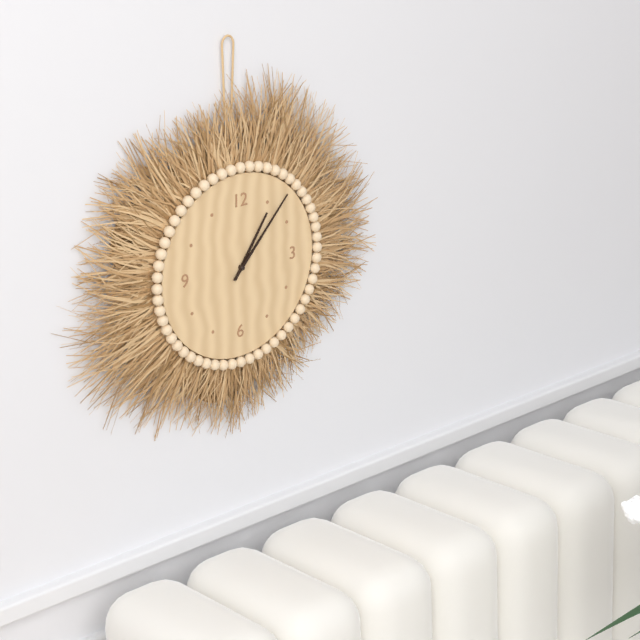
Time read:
1 h 07 min
